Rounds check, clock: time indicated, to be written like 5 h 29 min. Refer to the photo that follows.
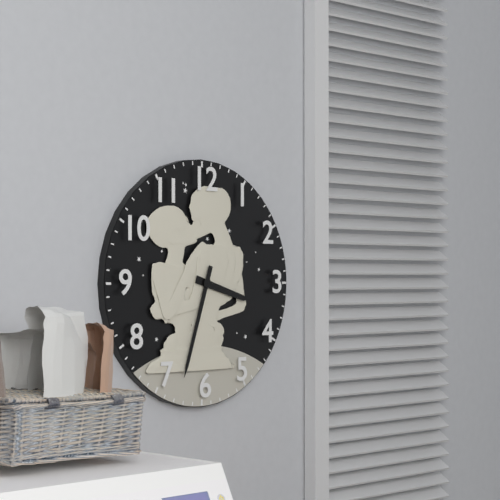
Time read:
3 h 33 min
